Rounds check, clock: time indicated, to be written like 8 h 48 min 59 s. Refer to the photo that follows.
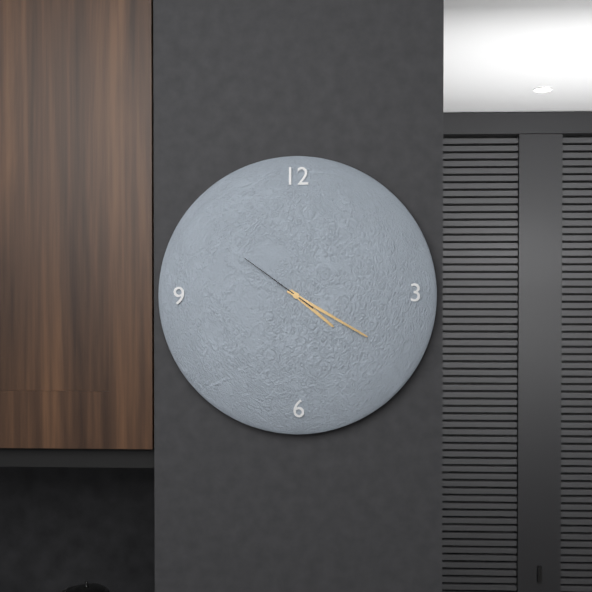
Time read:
4 h 20 min 51 s
